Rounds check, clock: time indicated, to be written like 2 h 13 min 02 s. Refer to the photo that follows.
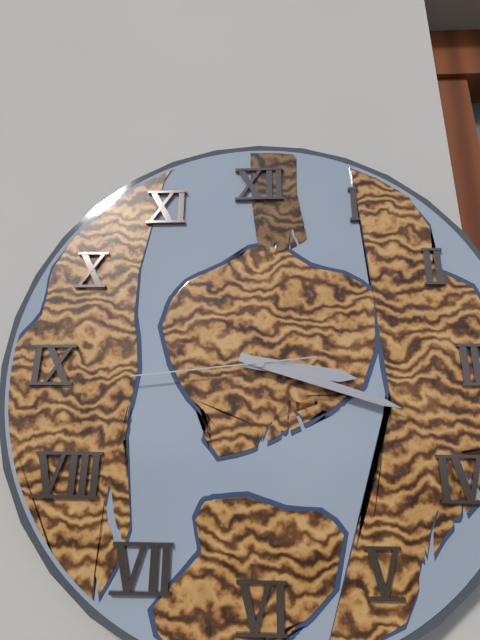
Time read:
3 h 18 min 44 s
